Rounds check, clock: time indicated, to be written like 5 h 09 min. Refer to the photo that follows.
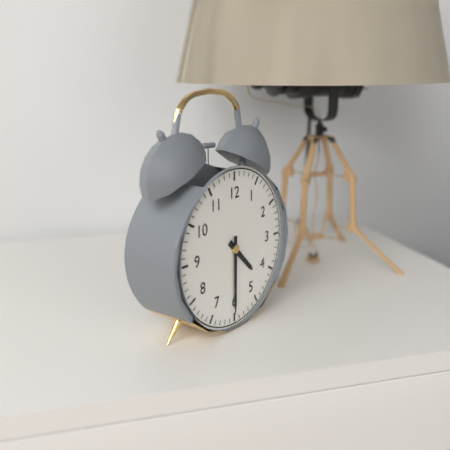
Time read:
4 h 30 min
